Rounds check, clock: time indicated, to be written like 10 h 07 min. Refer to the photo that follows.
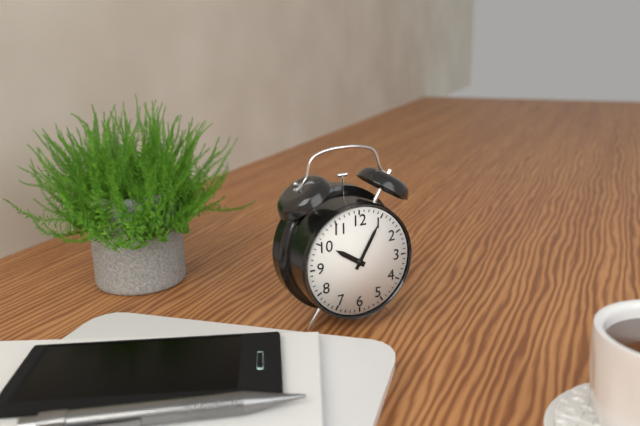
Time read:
10 h 05 min
